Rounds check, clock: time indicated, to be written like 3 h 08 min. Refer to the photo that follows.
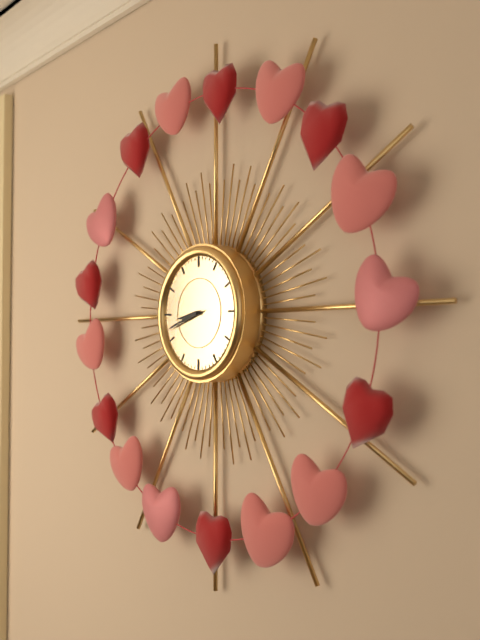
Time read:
8 h 42 min
